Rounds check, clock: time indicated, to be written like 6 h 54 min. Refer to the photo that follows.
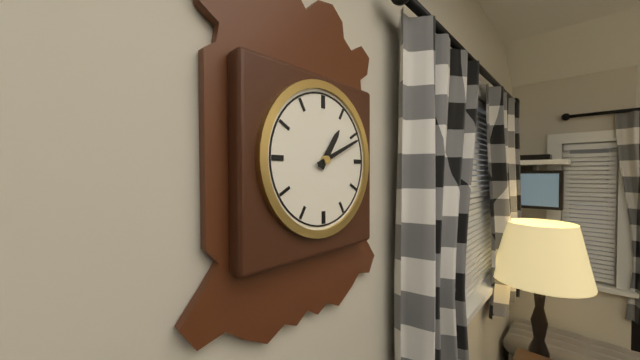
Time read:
1 h 11 min
